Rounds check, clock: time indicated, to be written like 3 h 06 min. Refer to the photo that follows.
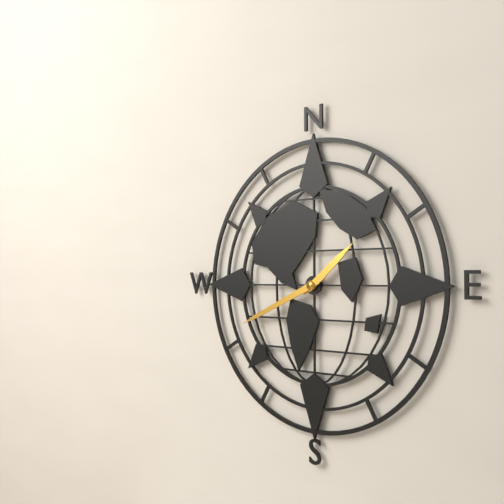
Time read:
1 h 41 min
